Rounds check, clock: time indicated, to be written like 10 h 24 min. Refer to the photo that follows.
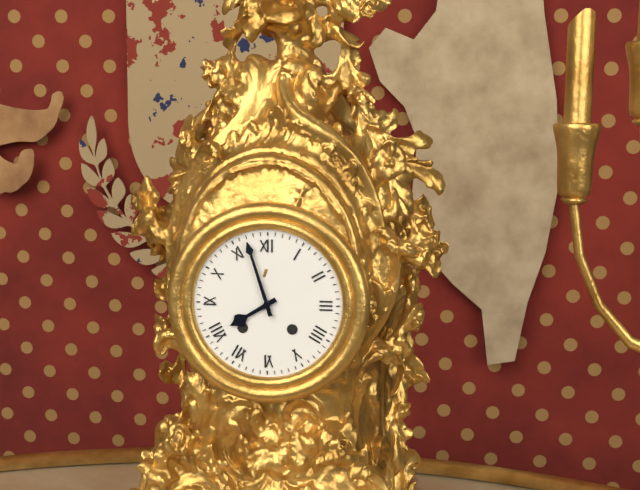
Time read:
7 h 57 min
